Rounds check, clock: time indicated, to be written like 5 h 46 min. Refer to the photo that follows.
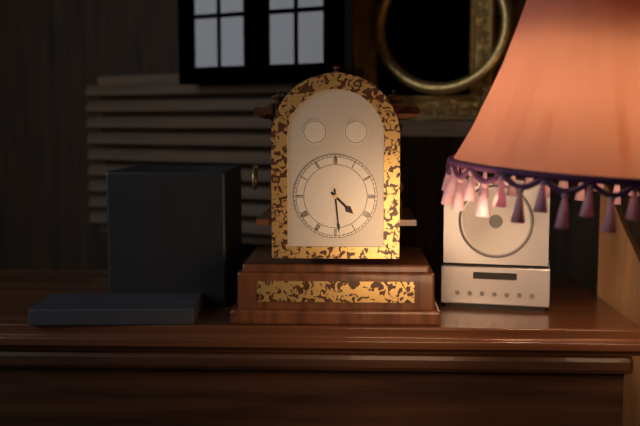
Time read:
4 h 29 min
